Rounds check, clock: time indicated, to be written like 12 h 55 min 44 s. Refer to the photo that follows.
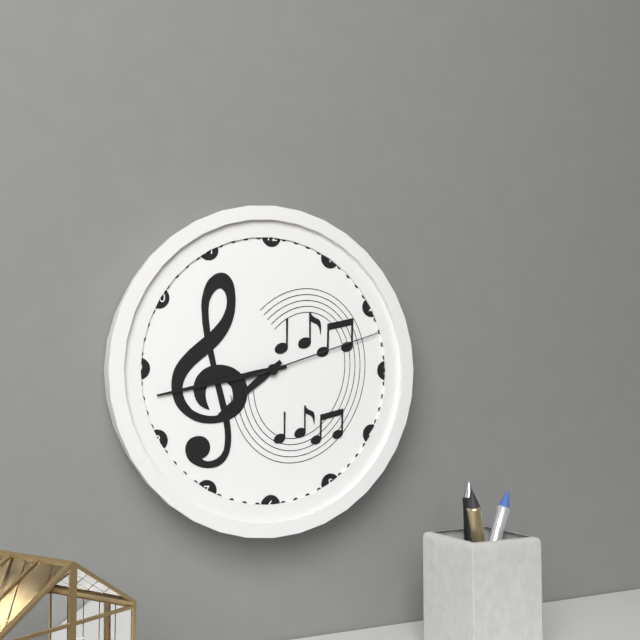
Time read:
7 h 43 min 12 s
